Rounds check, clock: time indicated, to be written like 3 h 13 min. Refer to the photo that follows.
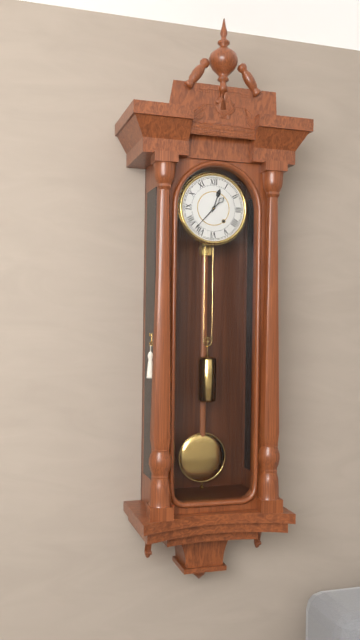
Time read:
12 h 37 min
